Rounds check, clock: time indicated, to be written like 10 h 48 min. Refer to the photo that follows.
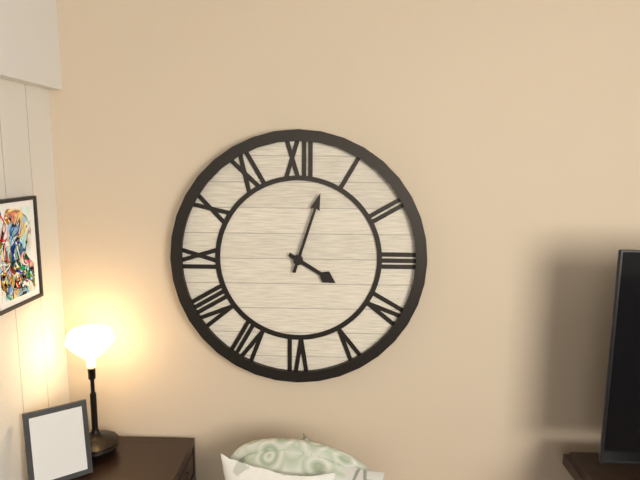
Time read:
4 h 03 min
